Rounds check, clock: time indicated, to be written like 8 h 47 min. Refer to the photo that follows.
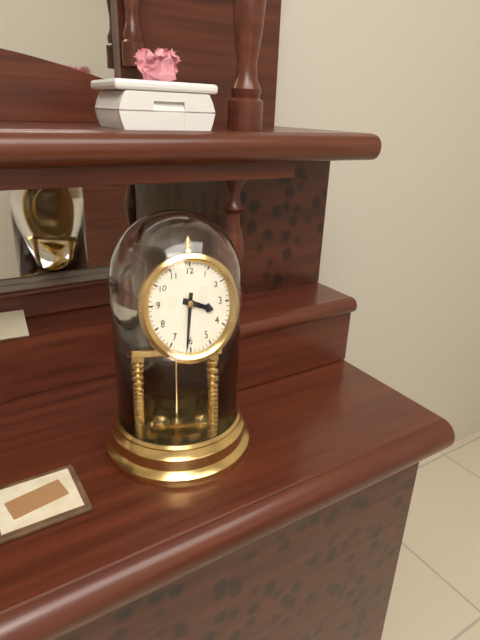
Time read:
3 h 31 min
